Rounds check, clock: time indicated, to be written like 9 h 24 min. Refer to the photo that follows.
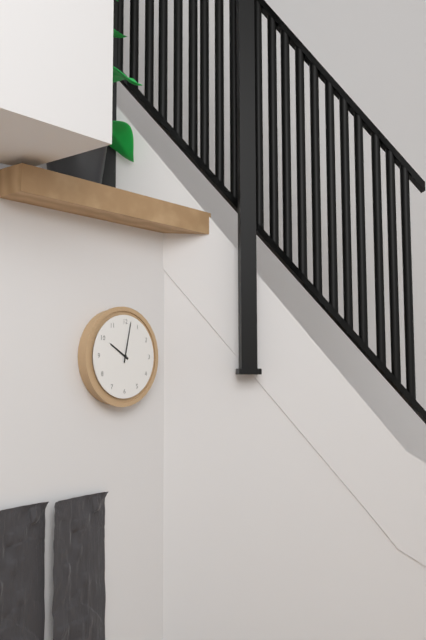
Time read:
10 h 02 min
